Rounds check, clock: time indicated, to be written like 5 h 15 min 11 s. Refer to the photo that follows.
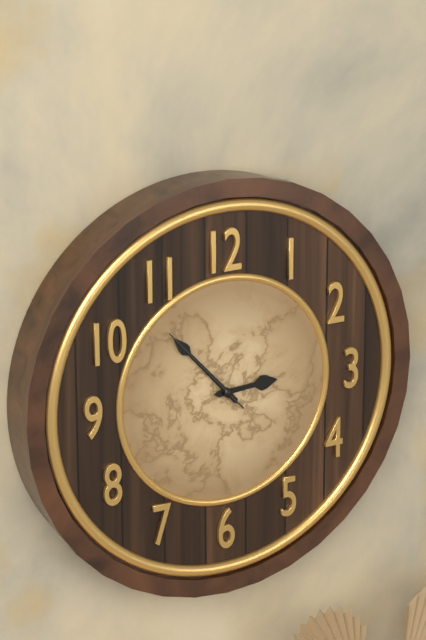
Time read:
2 h 53 min 53 s
